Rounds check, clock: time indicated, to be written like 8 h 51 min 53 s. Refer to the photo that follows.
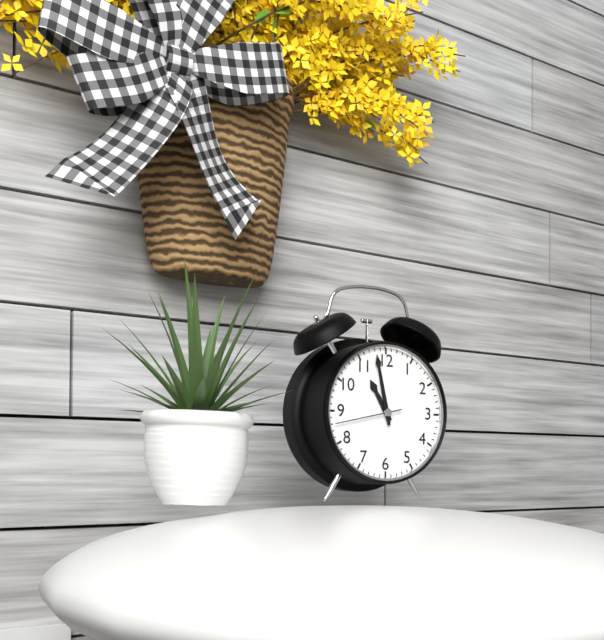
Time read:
10 h 58 min 43 s
